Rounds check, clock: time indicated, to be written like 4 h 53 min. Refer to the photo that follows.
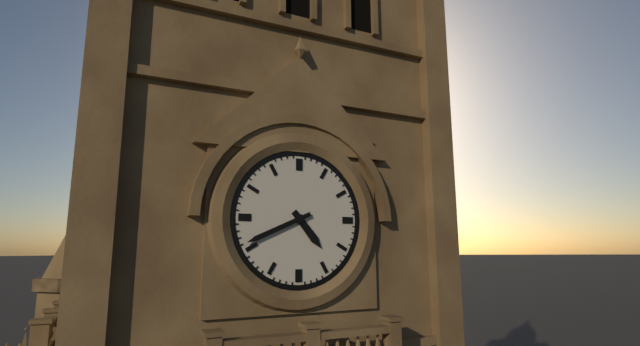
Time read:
4 h 41 min
